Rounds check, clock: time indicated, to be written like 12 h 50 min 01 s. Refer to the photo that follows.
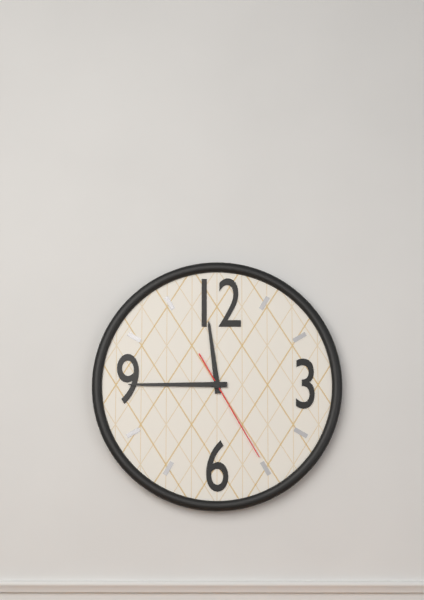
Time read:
11 h 45 min 25 s
